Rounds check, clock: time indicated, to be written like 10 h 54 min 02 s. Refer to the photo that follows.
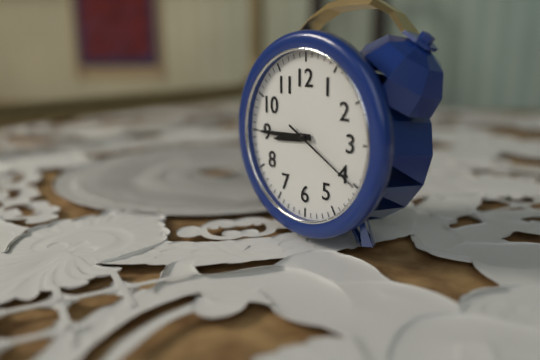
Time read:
8 h 45 min 20 s
